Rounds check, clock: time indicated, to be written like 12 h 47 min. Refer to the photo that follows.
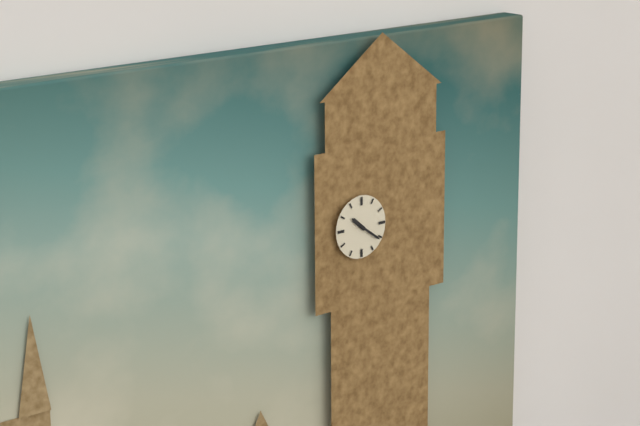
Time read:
10 h 21 min
